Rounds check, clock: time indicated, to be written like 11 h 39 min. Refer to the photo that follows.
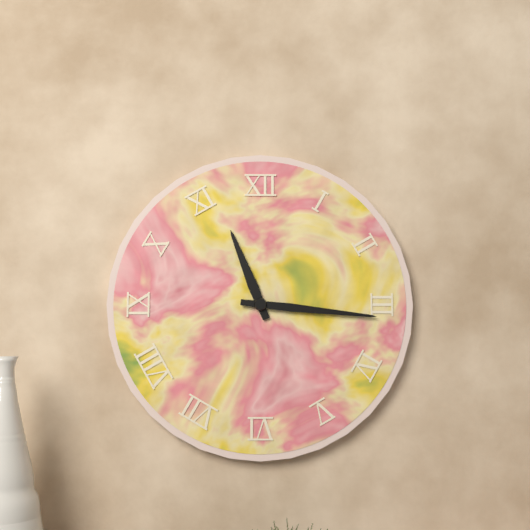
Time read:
11 h 16 min
